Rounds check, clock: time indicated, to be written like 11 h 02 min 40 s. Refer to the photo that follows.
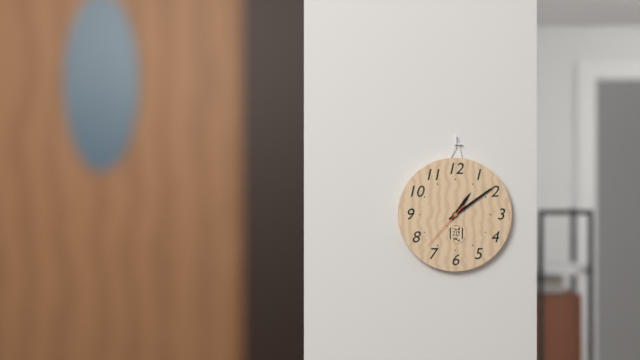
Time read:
1 h 09 min 37 s
